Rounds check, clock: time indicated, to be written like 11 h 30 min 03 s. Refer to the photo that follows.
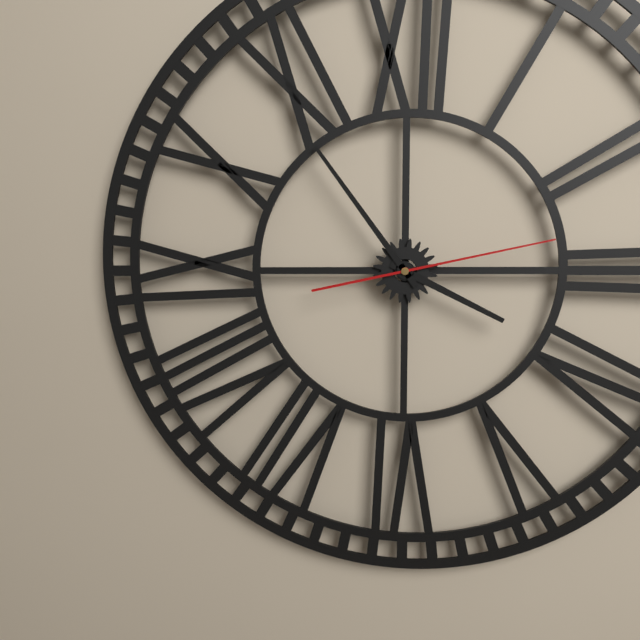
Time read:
3 h 54 min 13 s
